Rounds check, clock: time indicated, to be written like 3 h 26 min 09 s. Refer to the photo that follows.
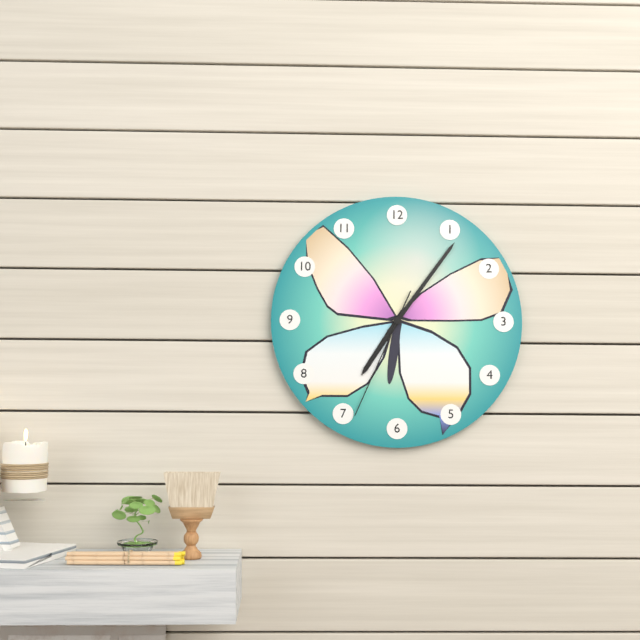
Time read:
7 h 06 min 34 s
